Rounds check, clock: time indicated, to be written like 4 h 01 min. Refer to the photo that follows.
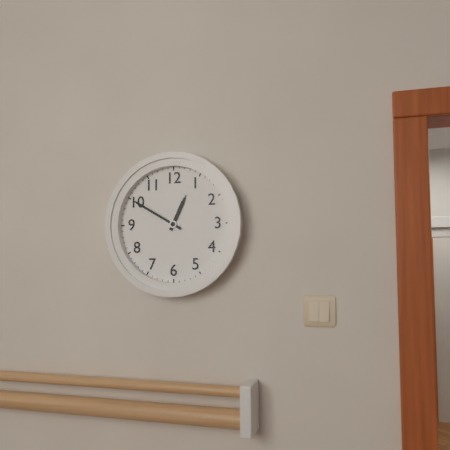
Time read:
12 h 50 min
